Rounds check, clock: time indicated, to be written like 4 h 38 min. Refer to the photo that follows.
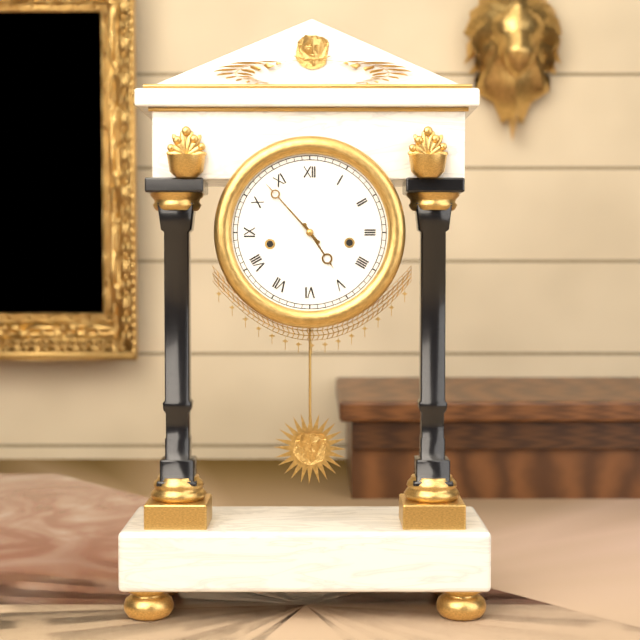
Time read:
4 h 53 min
